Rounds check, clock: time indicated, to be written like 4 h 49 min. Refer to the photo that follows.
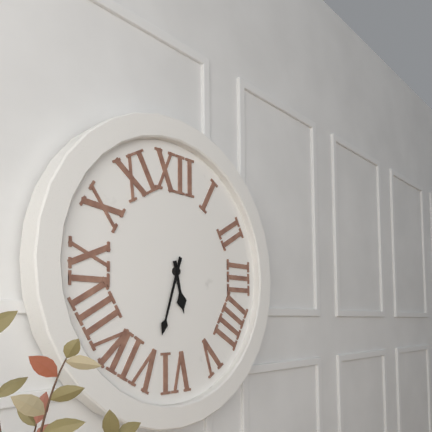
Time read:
5 h 33 min
